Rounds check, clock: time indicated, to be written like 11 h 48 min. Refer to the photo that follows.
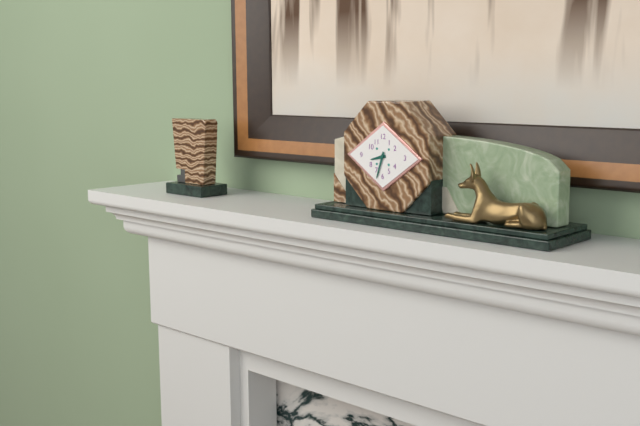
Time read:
8 h 33 min
